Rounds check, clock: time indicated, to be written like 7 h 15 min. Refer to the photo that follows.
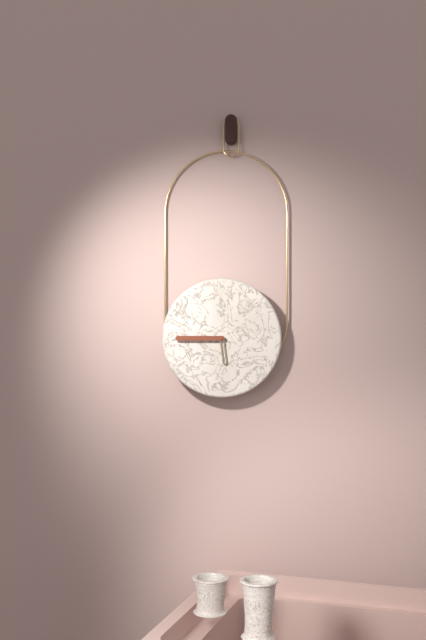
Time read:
5 h 45 min
